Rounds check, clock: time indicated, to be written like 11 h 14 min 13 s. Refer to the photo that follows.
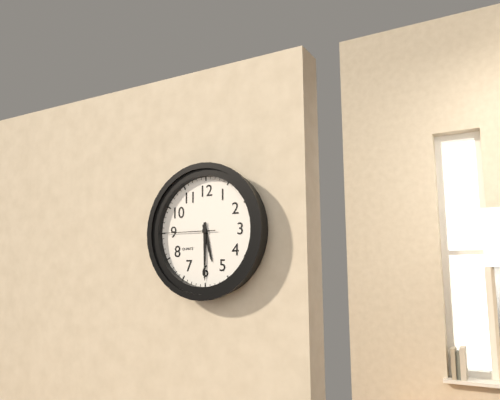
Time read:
5 h 30 min 45 s
